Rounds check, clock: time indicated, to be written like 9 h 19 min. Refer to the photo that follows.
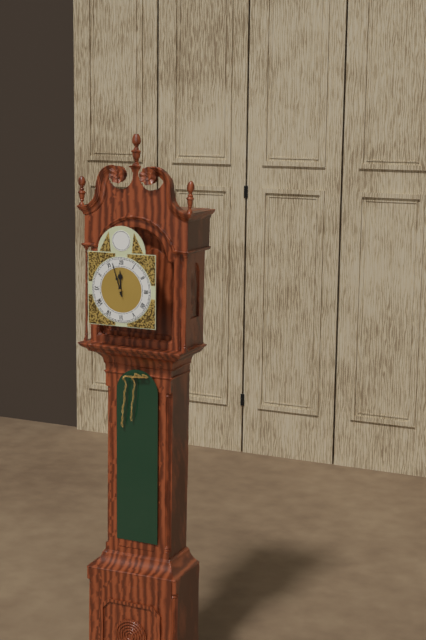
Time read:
11 h 57 min
